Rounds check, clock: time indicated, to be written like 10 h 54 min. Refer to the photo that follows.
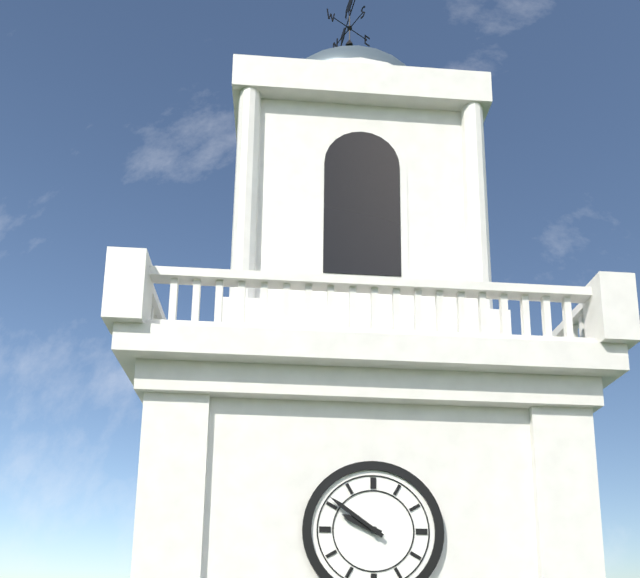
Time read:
9 h 51 min
